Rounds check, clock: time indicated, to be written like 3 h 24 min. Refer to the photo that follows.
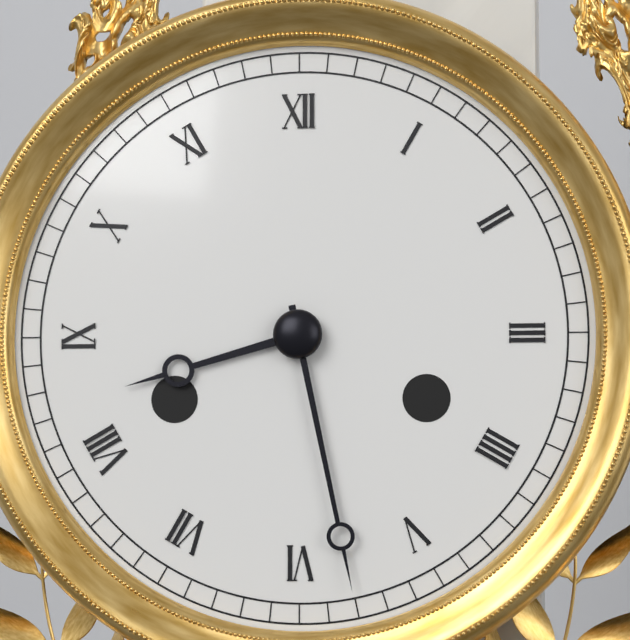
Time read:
8 h 28 min
